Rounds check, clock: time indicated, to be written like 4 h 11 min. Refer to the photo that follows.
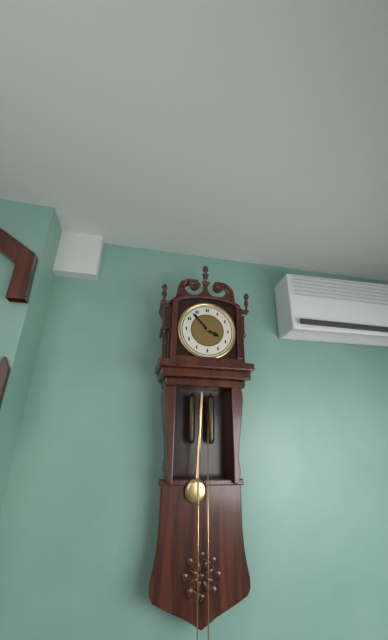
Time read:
3 h 53 min
